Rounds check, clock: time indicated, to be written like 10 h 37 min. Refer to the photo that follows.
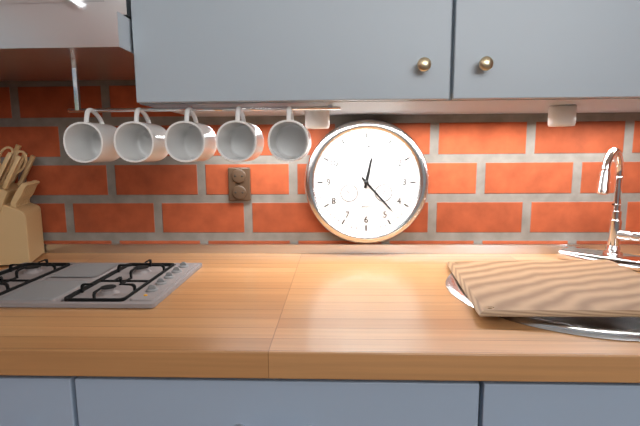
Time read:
12 h 23 min
